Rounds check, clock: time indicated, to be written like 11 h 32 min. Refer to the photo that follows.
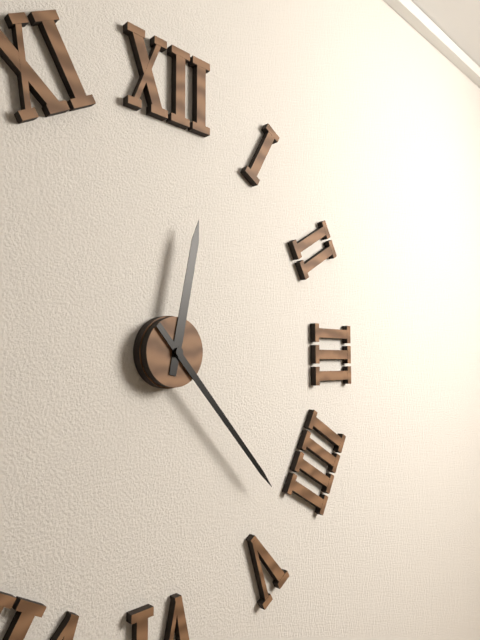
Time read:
12 h 23 min
